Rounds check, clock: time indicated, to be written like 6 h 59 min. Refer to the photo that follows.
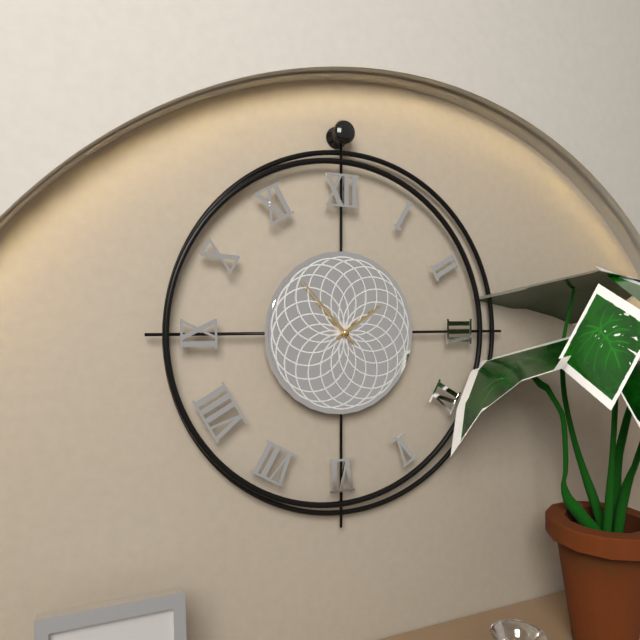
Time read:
1 h 53 min
